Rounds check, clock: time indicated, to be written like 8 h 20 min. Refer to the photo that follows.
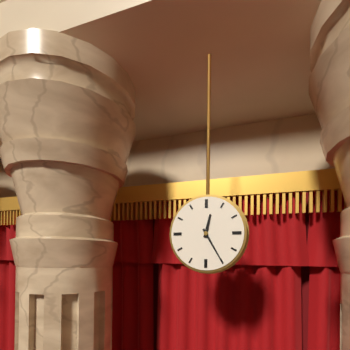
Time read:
12 h 25 min
